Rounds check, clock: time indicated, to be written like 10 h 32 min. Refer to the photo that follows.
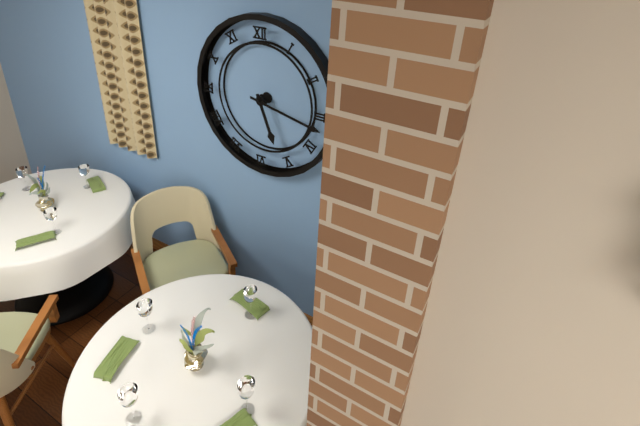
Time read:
5 h 17 min
